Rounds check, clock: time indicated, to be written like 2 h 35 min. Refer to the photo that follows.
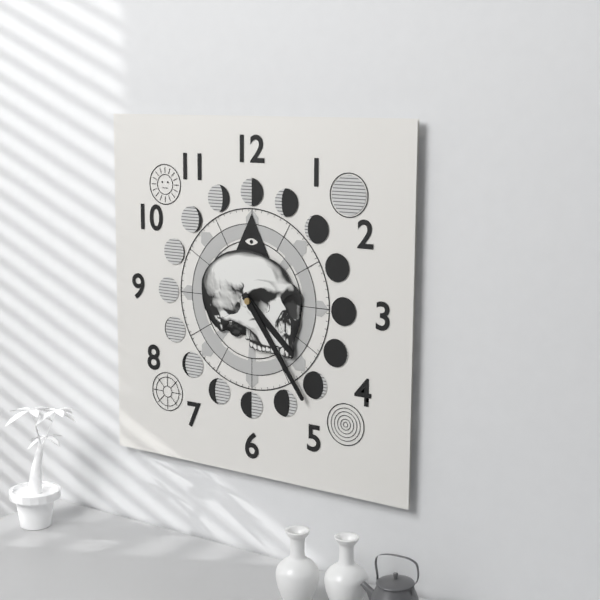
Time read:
4 h 24 min
